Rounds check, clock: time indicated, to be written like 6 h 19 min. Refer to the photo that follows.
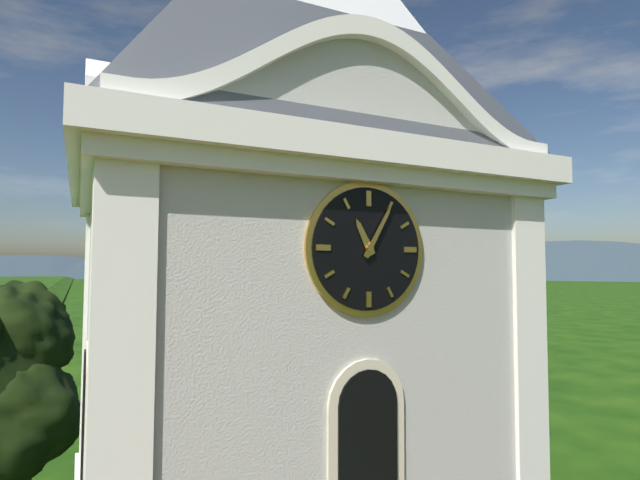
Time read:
11 h 05 min
